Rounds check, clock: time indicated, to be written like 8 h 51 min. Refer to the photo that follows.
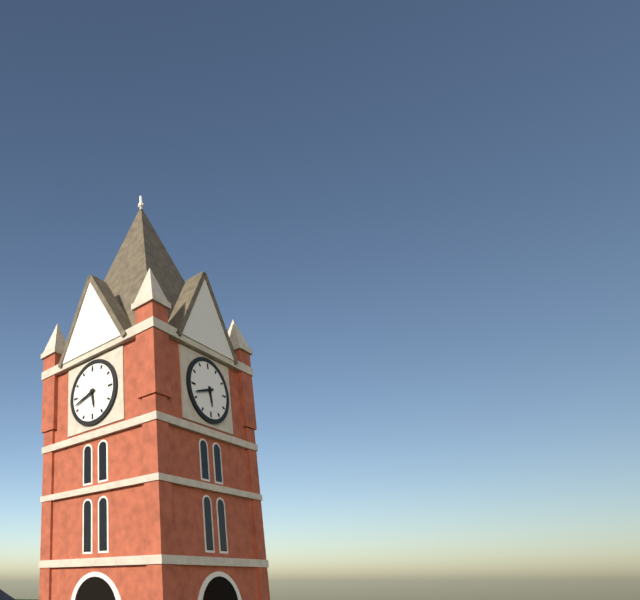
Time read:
5 h 42 min
